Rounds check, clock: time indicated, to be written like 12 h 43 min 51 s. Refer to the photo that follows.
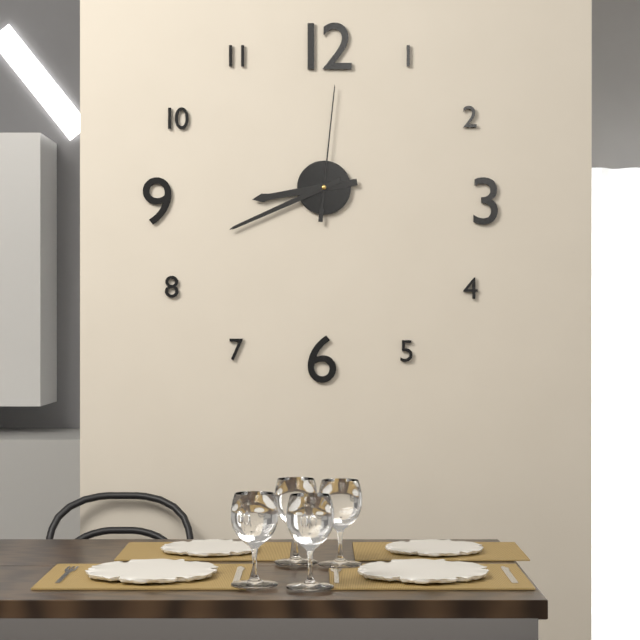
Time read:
8 h 41 min 01 s
